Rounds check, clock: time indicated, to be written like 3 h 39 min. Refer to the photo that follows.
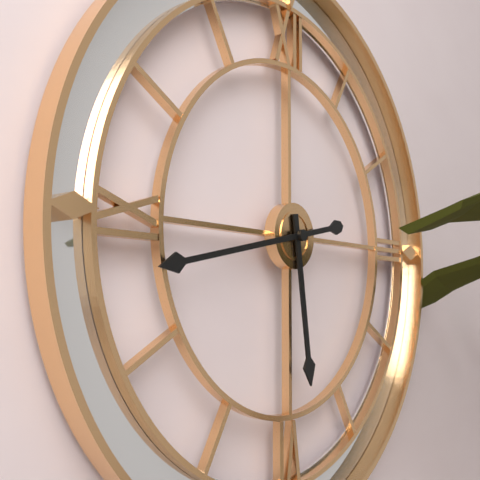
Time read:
5 h 43 min
